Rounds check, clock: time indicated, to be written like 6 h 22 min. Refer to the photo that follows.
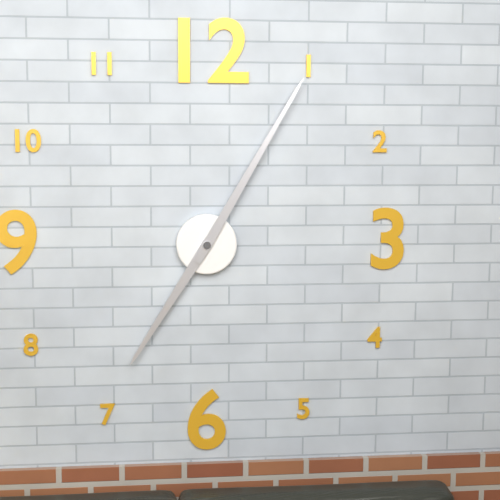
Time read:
7 h 05 min
